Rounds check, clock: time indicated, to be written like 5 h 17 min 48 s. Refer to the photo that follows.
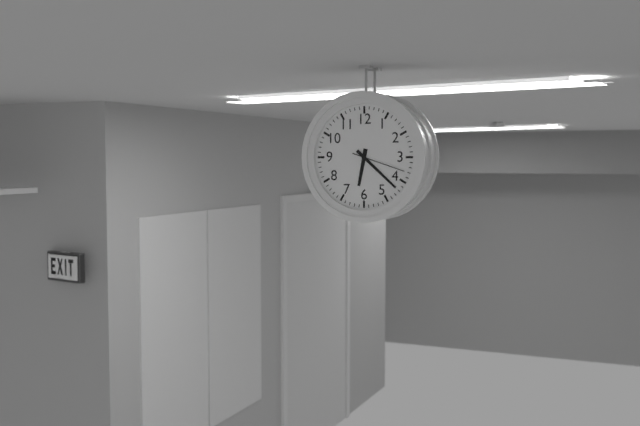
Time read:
6 h 22 min 18 s
